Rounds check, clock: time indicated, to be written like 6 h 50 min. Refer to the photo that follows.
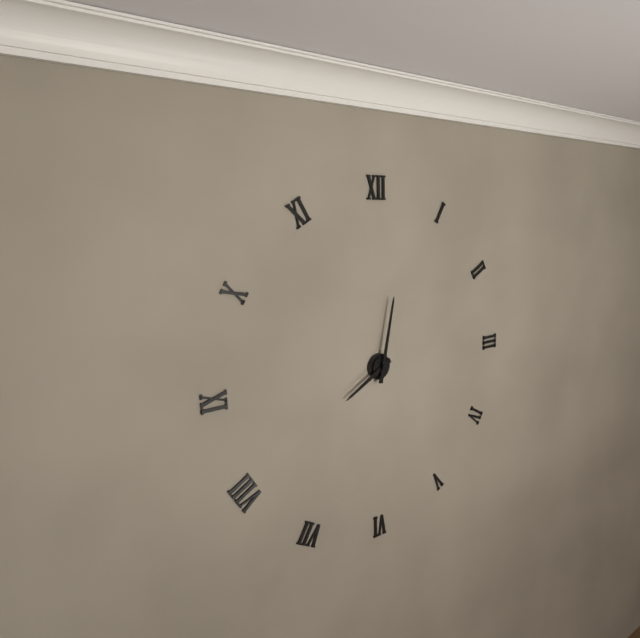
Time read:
8 h 02 min
